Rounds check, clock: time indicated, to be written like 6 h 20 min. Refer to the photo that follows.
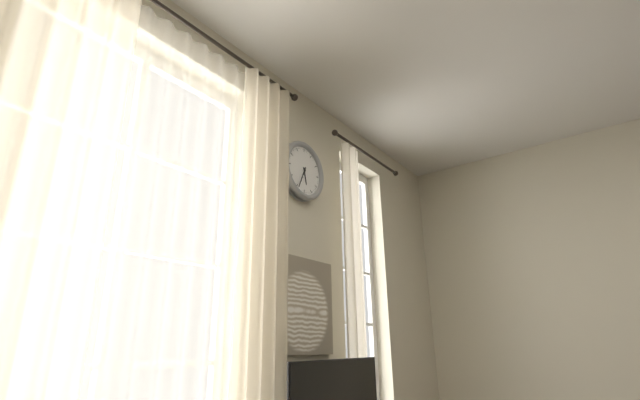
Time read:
5 h 34 min
